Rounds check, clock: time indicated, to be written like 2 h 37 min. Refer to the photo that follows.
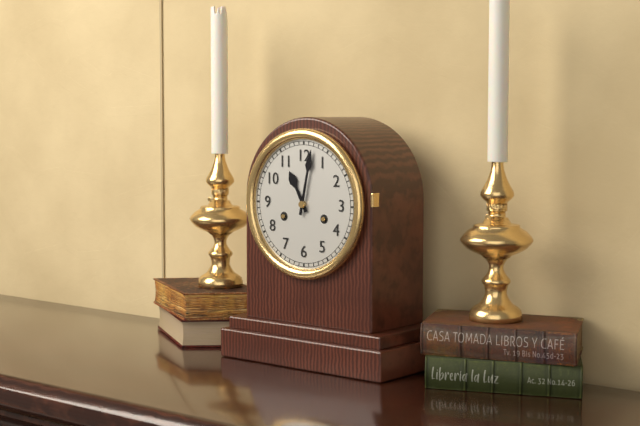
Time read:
11 h 02 min
